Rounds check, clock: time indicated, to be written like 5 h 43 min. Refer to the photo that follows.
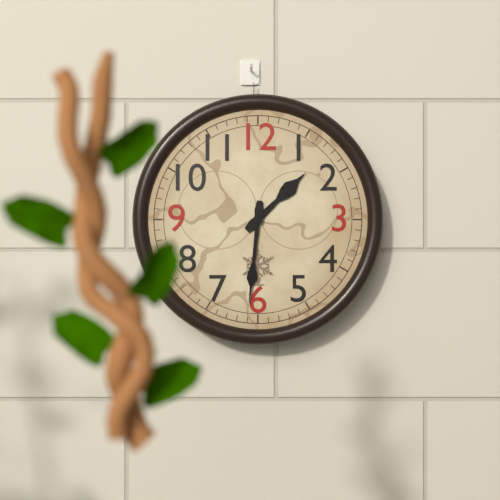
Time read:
1 h 31 min
